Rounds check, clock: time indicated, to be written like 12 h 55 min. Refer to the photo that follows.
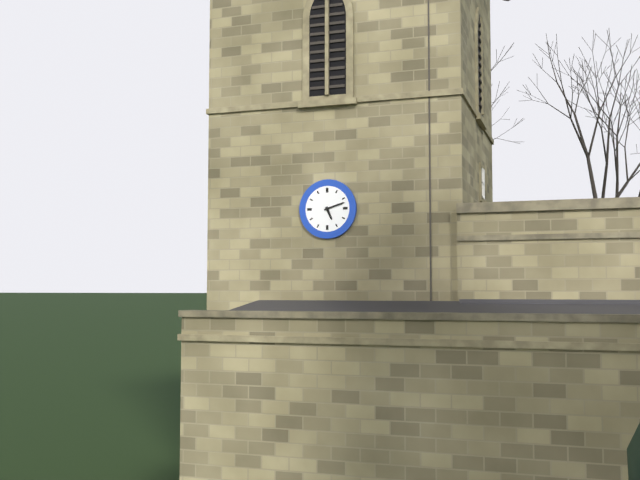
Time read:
5 h 12 min
